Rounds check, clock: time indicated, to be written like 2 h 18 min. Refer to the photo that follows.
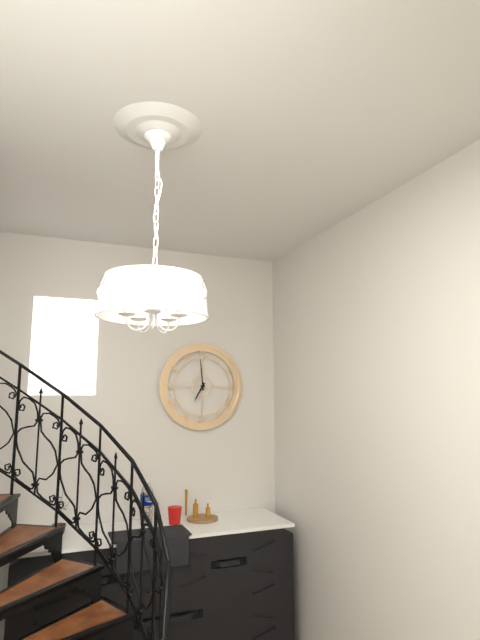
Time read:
6 h 59 min
